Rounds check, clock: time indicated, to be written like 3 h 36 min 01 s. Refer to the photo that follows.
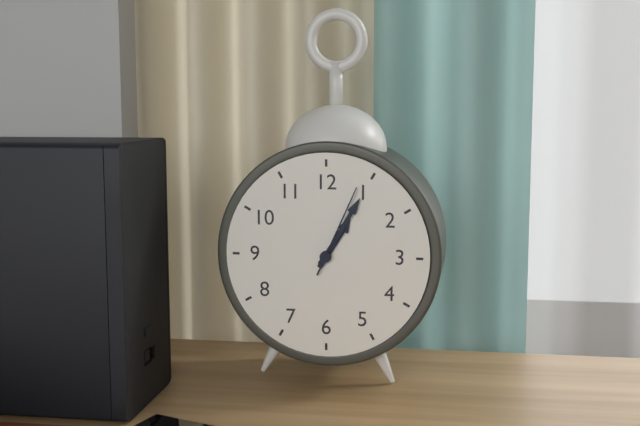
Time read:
1 h 05 min 04 s
